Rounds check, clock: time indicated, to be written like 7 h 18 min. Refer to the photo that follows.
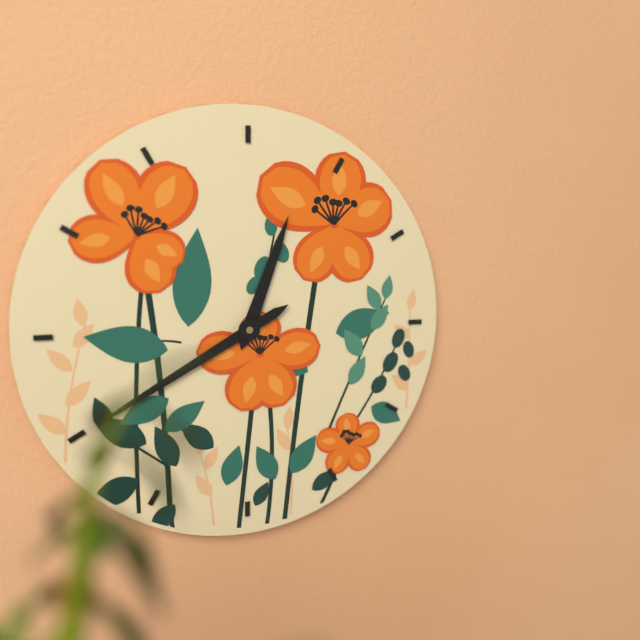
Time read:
12 h 40 min
